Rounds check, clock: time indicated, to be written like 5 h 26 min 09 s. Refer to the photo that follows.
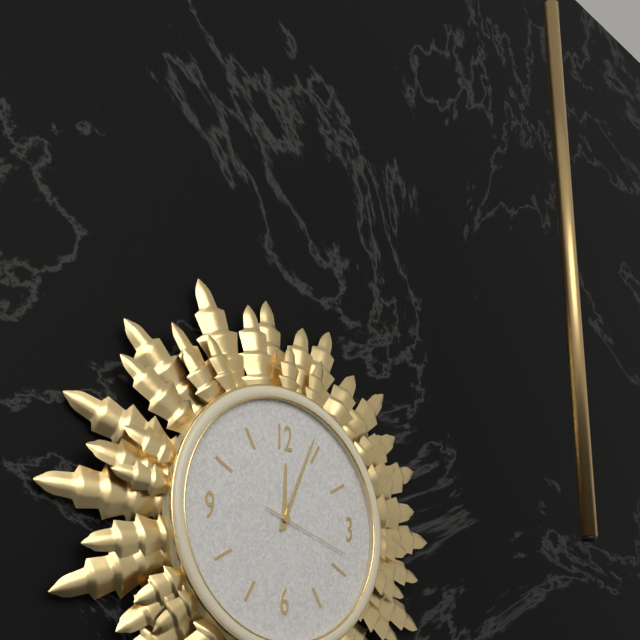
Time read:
12 h 04 min 18 s
